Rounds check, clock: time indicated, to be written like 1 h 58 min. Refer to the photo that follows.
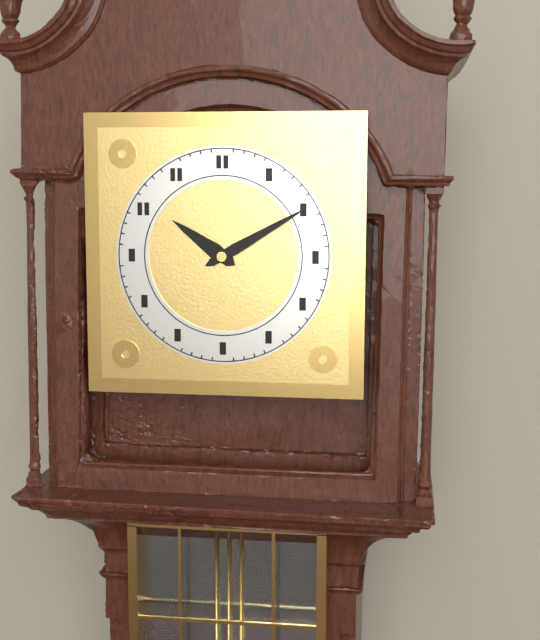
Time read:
10 h 10 min
